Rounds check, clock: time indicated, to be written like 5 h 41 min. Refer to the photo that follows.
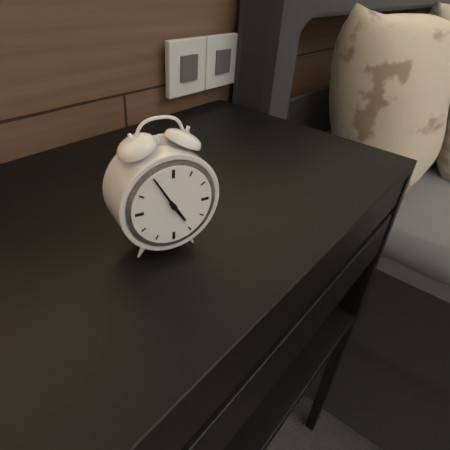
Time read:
4 h 55 min
